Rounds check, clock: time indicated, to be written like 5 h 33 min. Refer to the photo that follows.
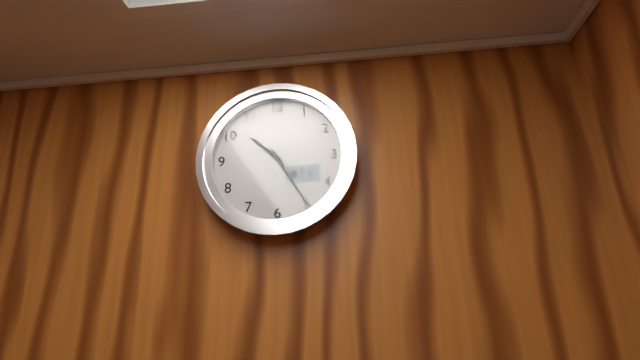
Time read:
10 h 25 min
